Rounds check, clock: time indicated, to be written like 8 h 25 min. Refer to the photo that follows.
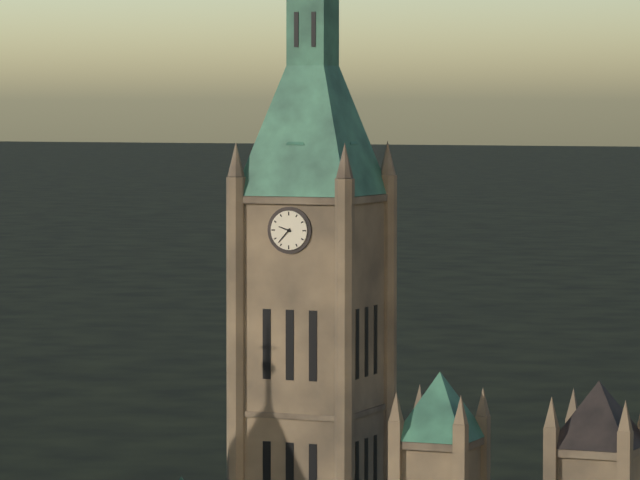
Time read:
9 h 37 min
